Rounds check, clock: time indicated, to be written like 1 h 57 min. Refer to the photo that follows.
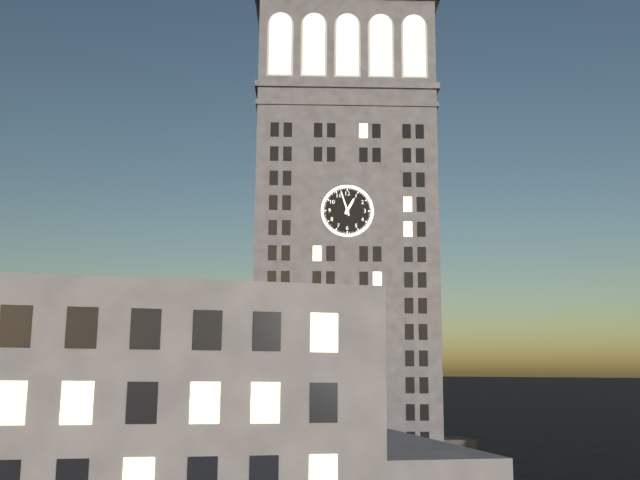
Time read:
12 h 57 min
